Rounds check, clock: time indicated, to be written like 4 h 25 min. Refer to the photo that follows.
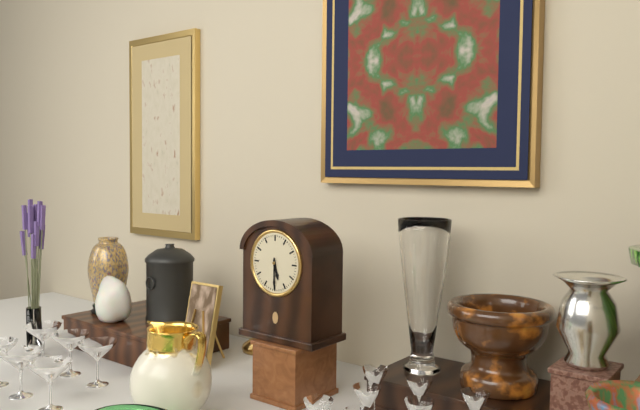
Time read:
5 h 30 min
